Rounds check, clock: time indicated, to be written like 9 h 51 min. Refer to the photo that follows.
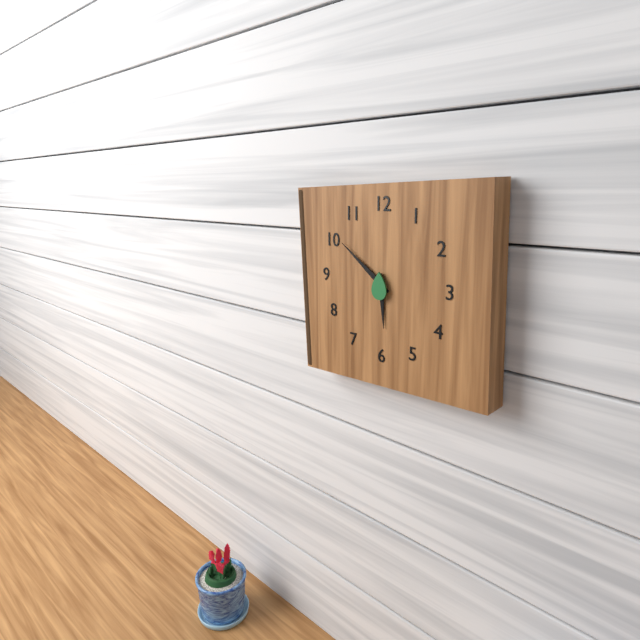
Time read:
5 h 51 min
